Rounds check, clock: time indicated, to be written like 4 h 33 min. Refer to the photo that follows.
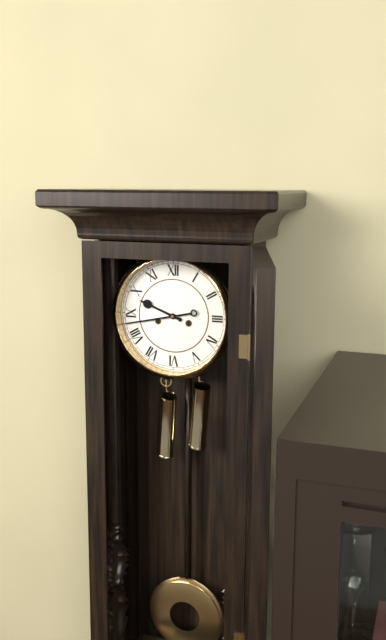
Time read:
9 h 43 min
